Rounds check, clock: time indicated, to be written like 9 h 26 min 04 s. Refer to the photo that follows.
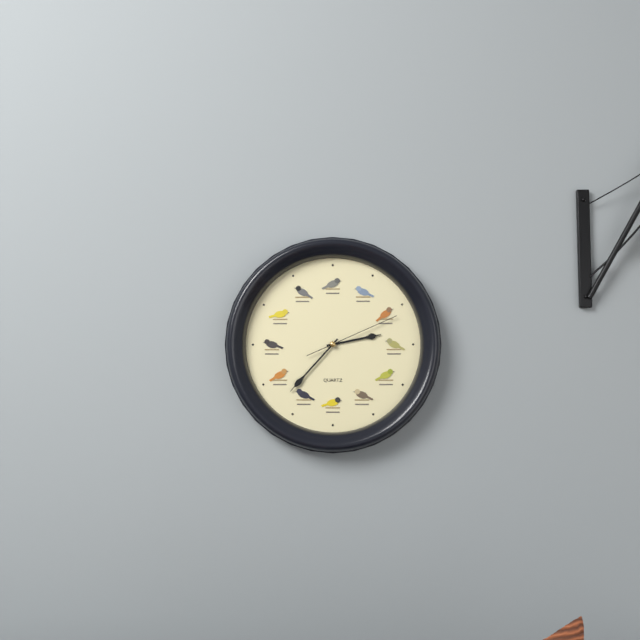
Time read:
2 h 37 min 11 s
